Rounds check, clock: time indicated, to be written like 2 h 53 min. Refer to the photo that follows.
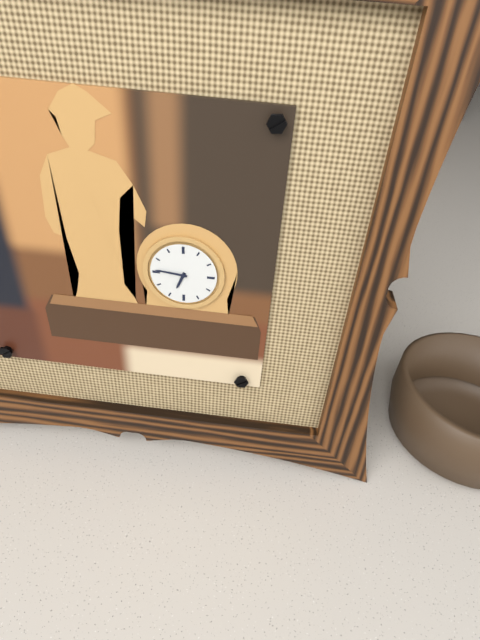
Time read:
6 h 46 min
